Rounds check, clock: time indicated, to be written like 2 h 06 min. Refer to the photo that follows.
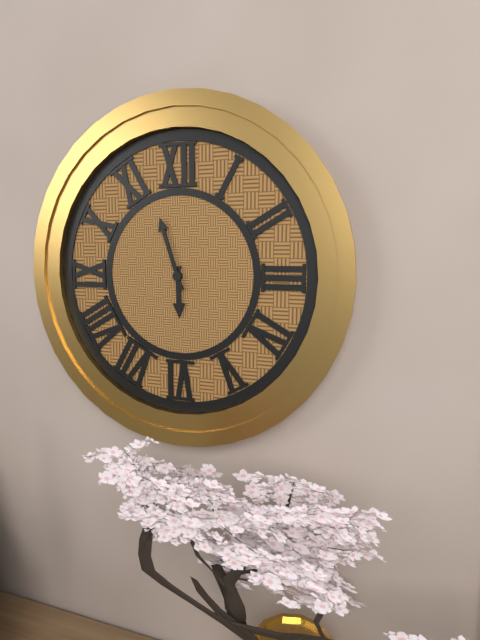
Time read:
5 h 57 min
